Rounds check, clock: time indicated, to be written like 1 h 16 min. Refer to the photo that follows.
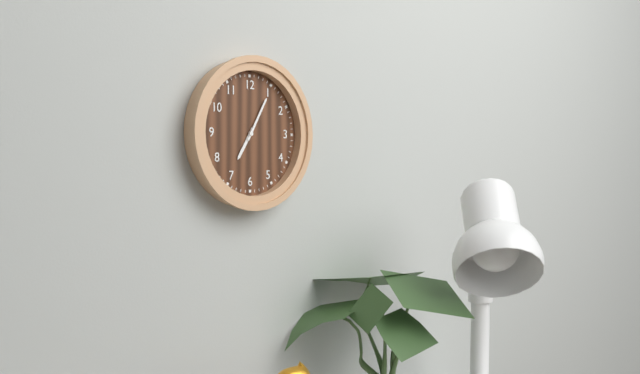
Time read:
7 h 05 min
